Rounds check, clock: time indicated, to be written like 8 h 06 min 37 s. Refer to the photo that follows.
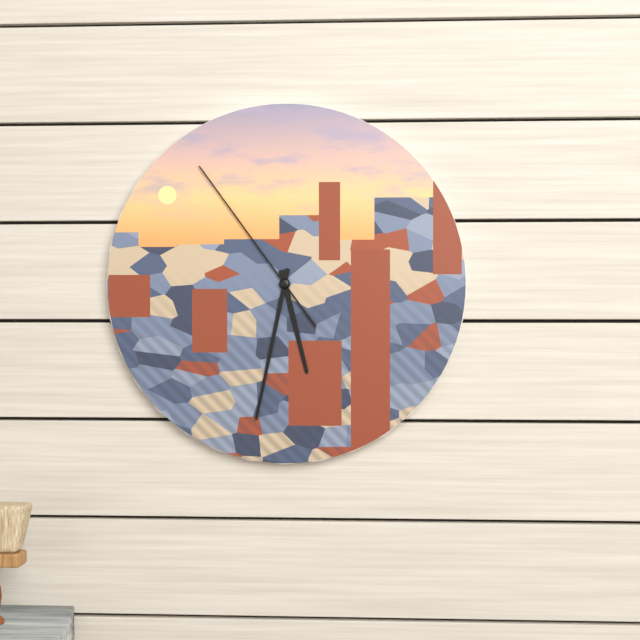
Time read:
5 h 32 min 54 s
